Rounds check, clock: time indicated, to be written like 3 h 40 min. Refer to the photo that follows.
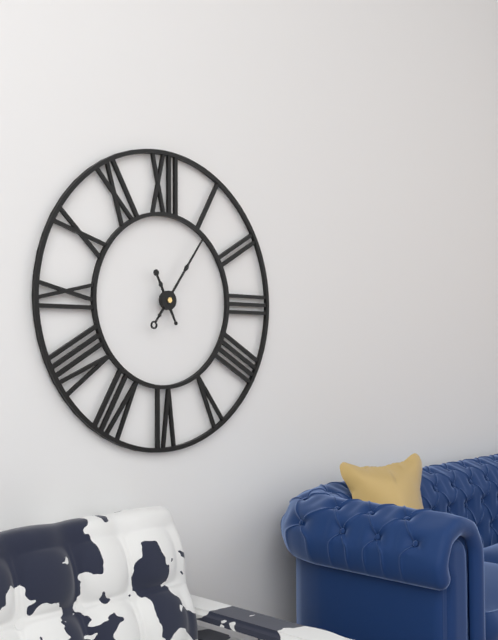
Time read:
11 h 06 min
